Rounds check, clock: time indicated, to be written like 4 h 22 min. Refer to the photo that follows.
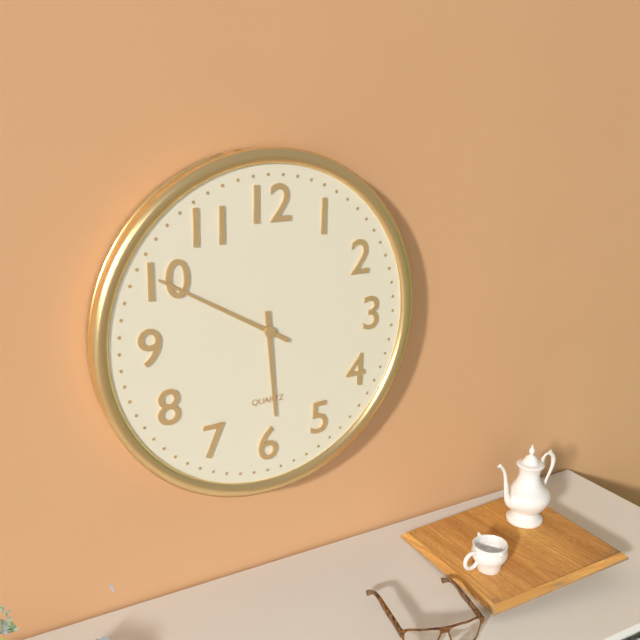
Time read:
5 h 50 min
